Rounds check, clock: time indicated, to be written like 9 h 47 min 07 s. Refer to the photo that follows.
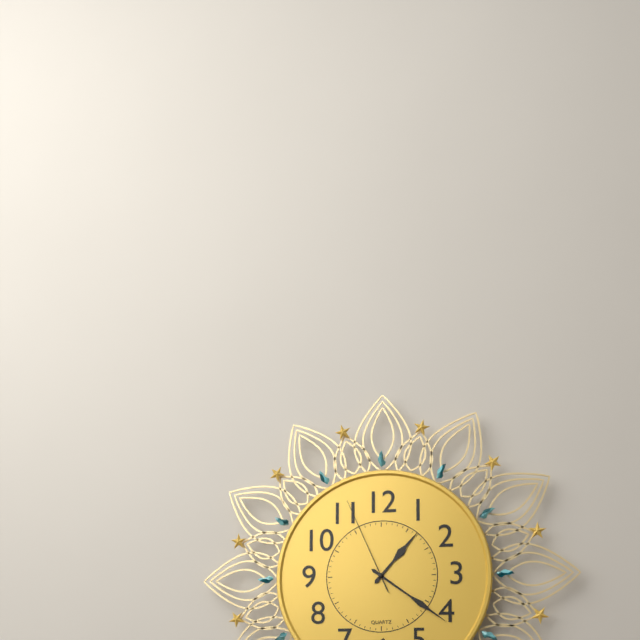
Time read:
1 h 21 min 56 s
